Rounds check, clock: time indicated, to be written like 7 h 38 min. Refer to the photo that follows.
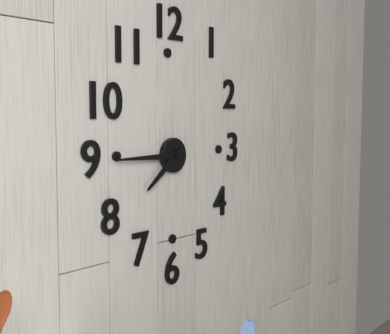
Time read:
7 h 45 min
